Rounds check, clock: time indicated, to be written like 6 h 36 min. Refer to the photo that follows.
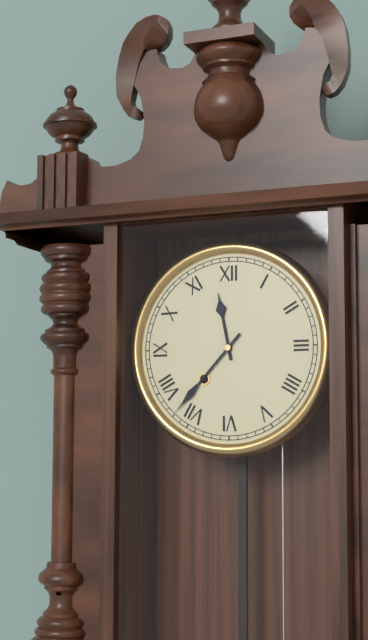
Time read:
11 h 37 min
